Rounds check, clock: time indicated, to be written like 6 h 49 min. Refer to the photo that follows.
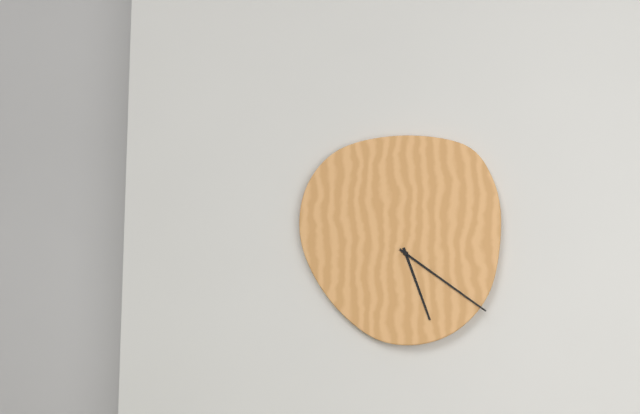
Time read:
5 h 21 min
